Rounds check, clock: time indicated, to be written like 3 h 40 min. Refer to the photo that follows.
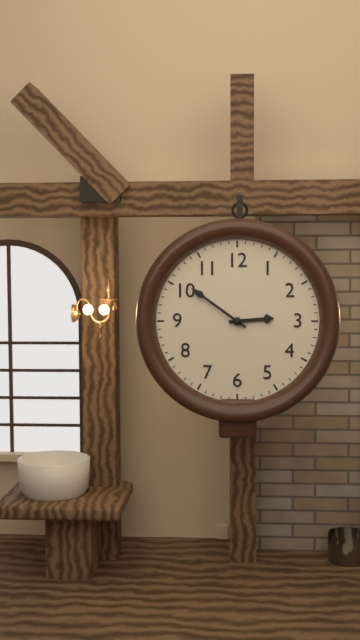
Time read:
2 h 51 min
